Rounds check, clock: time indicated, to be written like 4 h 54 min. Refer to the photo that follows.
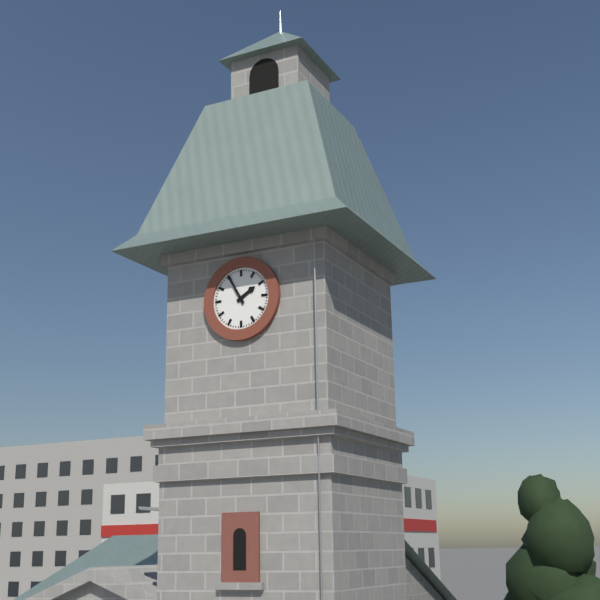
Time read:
1 h 55 min
